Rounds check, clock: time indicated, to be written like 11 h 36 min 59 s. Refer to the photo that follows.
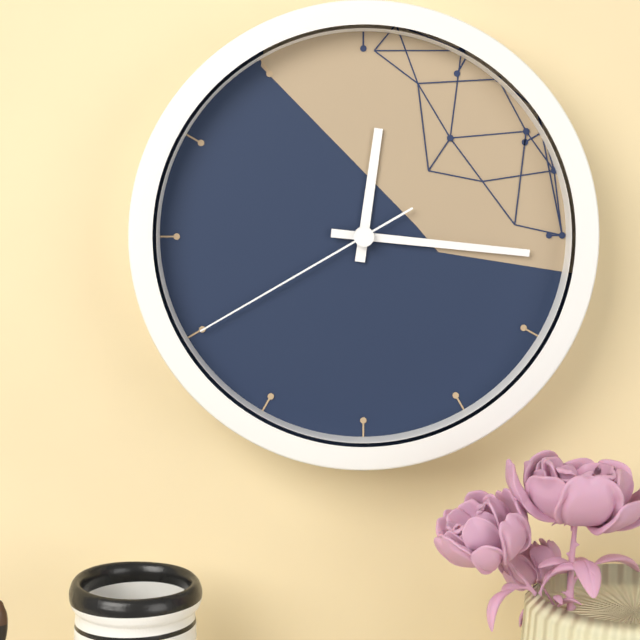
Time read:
12 h 16 min 40 s
